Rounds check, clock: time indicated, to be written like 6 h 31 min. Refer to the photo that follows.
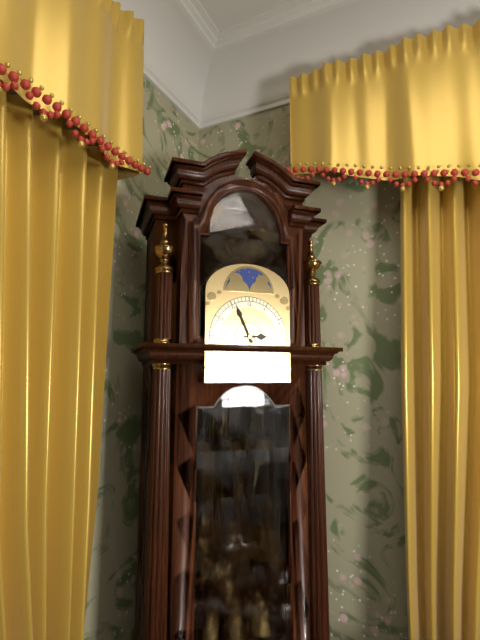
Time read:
2 h 56 min
